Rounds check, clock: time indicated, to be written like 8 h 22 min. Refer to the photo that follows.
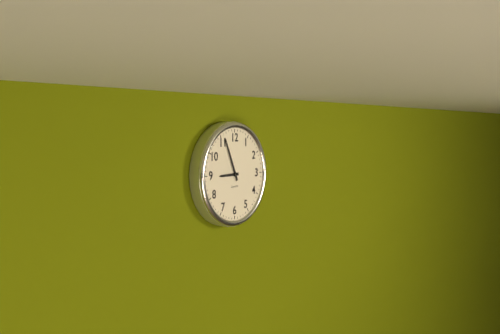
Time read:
8 h 56 min
